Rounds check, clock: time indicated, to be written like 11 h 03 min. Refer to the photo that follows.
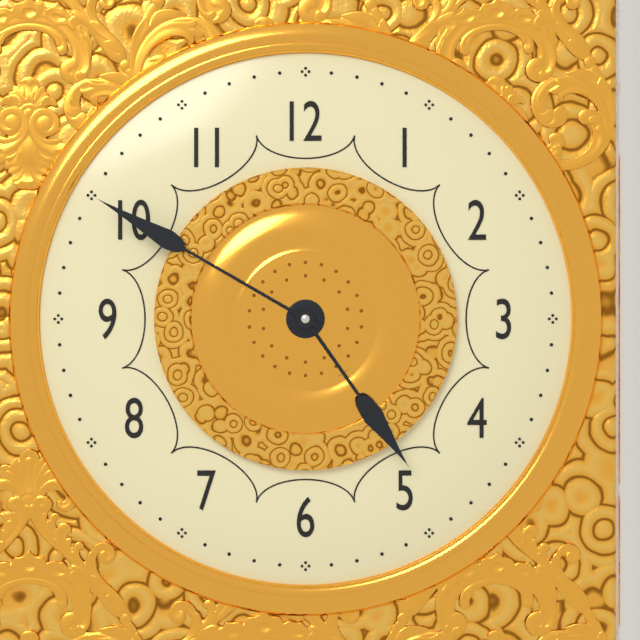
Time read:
4 h 50 min
